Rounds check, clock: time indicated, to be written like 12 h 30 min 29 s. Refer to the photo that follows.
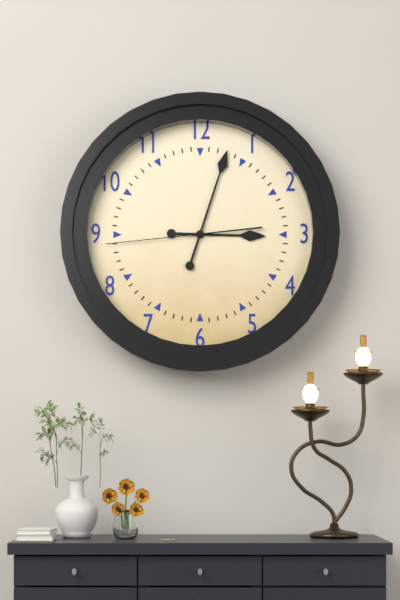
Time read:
3 h 03 min 44 s
